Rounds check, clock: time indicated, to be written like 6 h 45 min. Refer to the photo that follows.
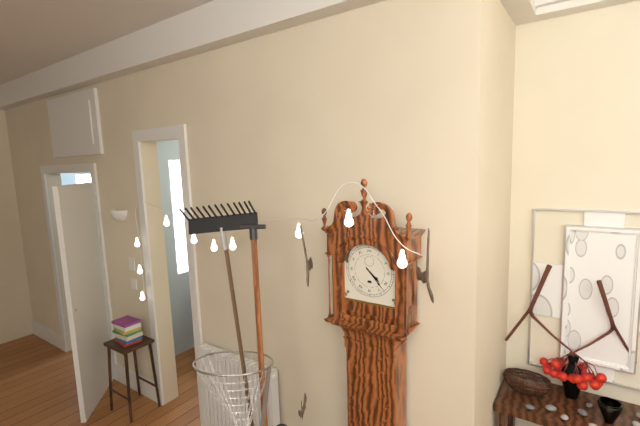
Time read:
4 h 23 min
